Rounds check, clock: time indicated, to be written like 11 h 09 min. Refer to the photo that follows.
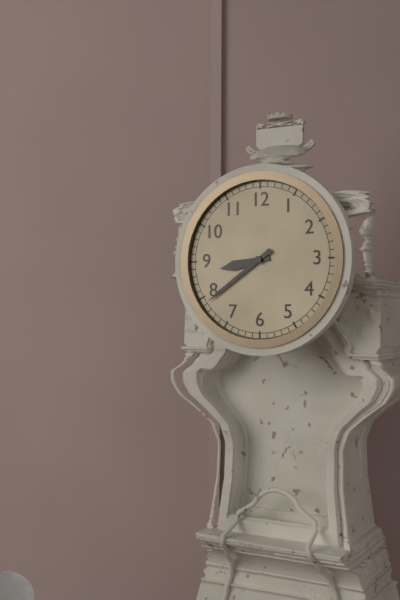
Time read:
8 h 39 min
